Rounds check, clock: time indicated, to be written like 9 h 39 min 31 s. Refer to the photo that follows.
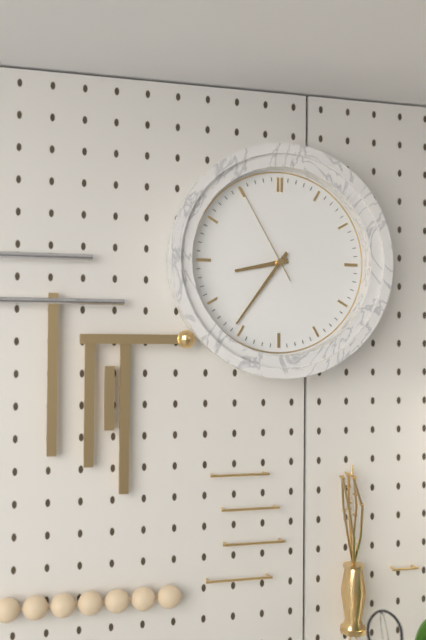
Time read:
8 h 36 min 55 s
